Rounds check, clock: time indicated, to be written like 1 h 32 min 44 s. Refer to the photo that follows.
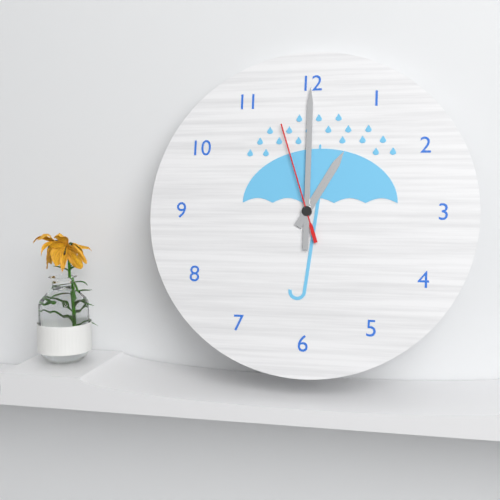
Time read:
1 h 00 min 57 s
